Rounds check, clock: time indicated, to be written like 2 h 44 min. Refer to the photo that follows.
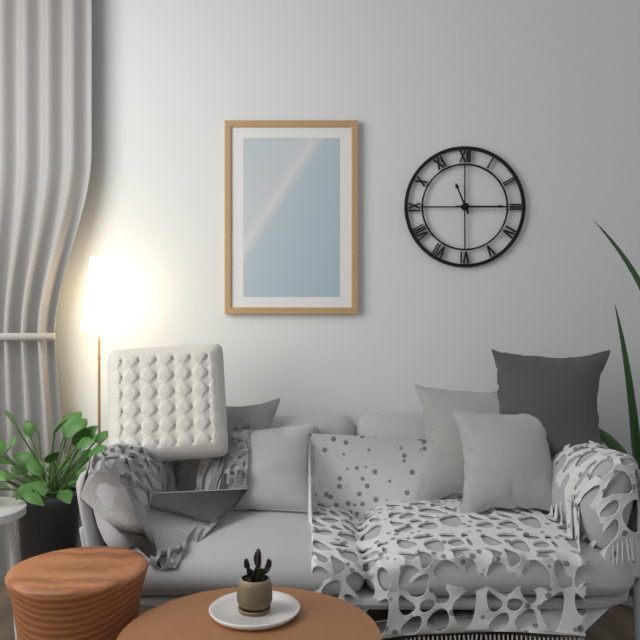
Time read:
11 h 15 min
